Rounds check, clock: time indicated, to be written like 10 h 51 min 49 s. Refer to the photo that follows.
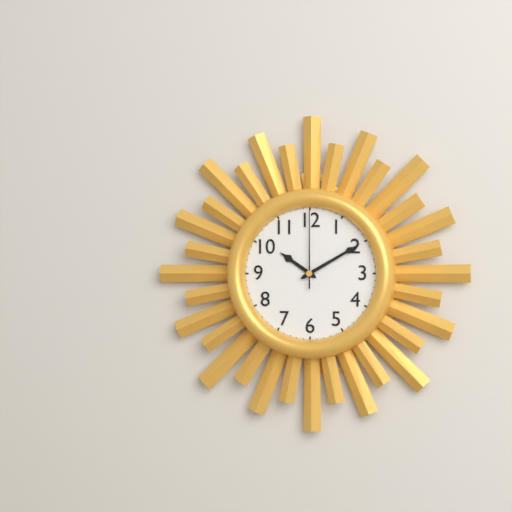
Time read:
10 h 10 min 00 s
